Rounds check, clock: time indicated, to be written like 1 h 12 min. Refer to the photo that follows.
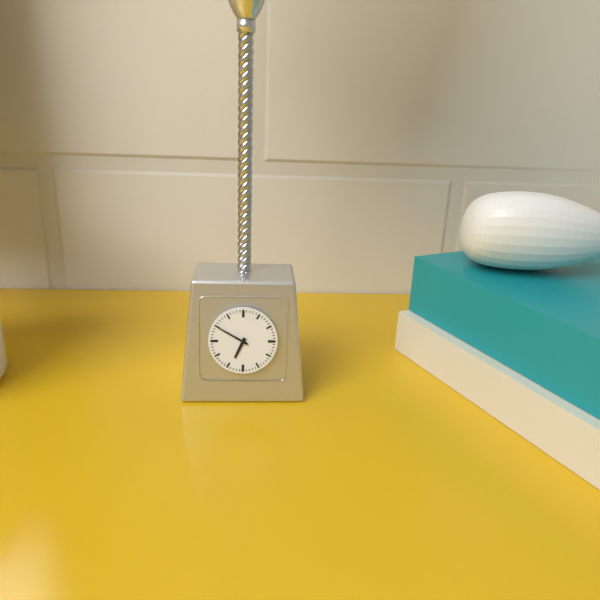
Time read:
6 h 50 min
